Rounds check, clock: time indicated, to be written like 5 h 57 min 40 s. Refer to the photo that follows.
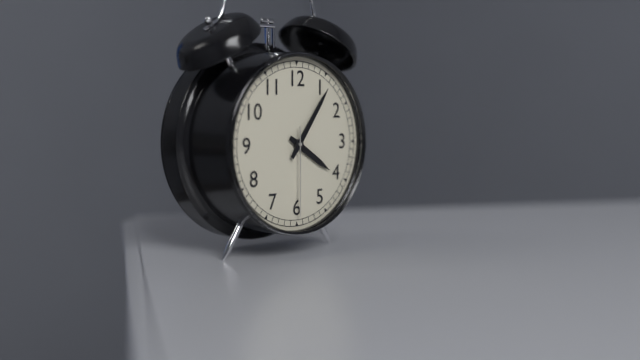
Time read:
4 h 06 min 30 s
